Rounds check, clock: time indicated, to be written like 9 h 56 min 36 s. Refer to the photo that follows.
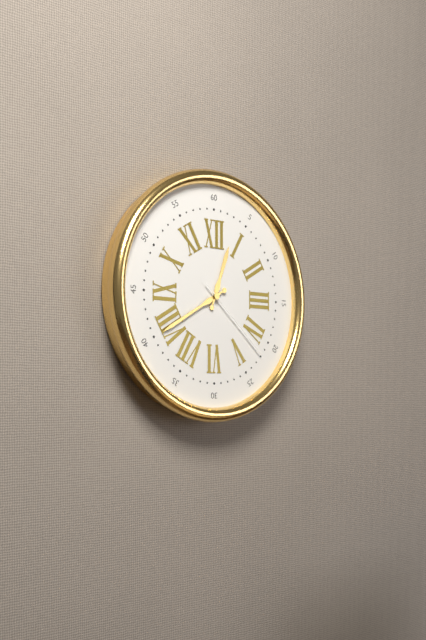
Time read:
12 h 40 min 22 s
